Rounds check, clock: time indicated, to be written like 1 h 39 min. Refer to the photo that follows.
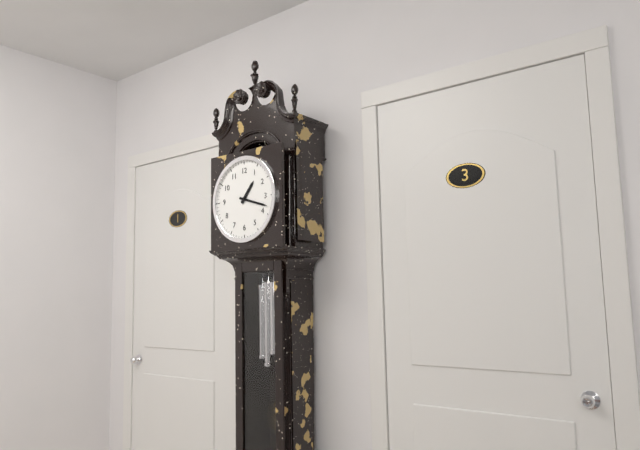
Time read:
1 h 18 min
